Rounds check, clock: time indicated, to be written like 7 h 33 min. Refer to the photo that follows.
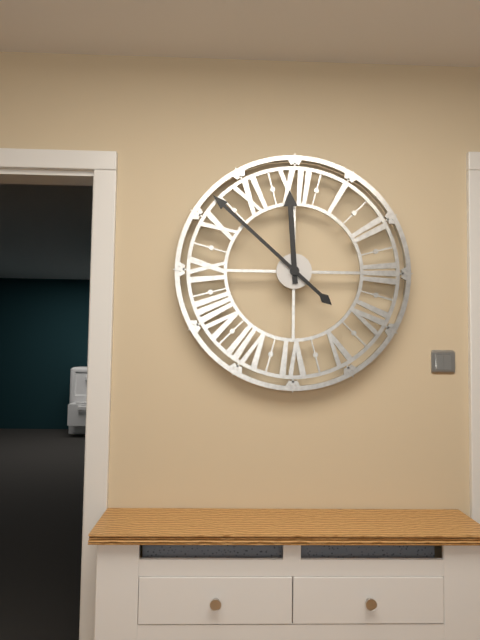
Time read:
11 h 52 min
